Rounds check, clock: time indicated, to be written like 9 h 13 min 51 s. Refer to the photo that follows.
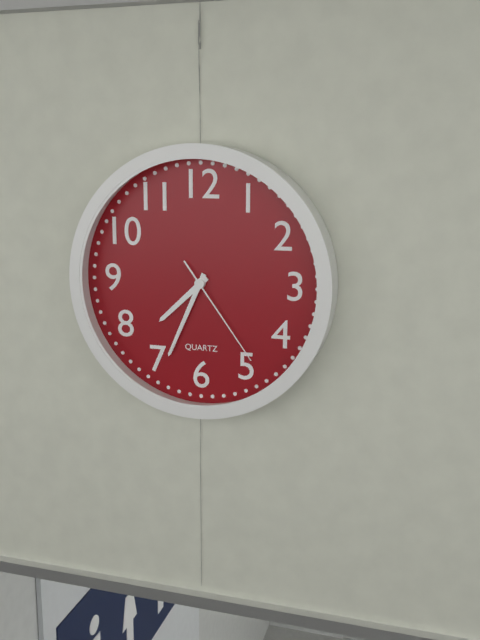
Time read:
7 h 34 min 24 s
